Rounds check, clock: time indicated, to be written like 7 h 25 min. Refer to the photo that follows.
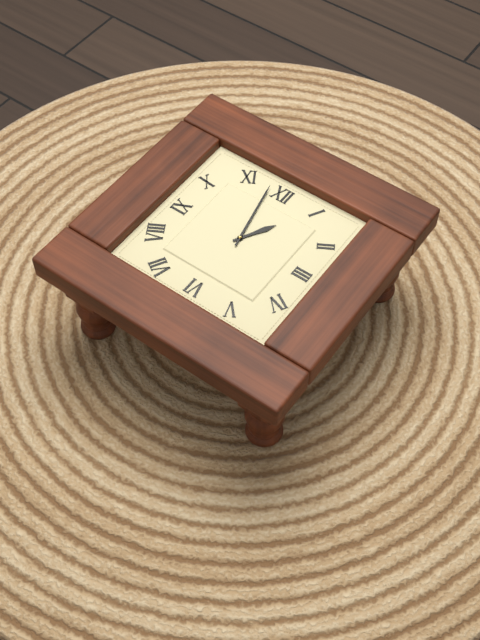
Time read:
12 h 58 min
